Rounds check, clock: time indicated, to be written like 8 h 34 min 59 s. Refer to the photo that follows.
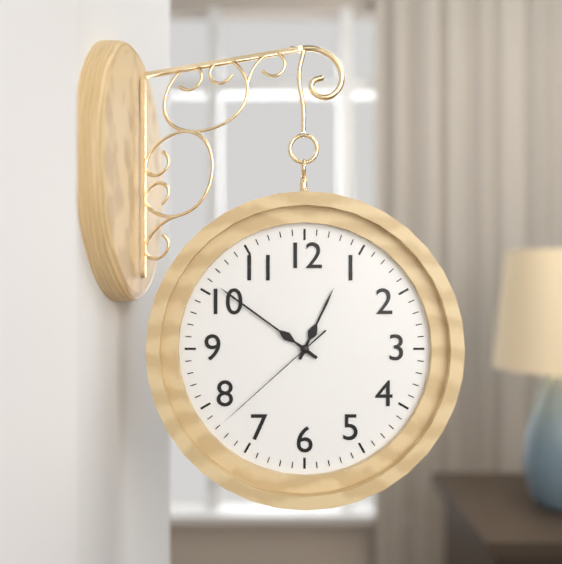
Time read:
12 h 51 min 38 s
